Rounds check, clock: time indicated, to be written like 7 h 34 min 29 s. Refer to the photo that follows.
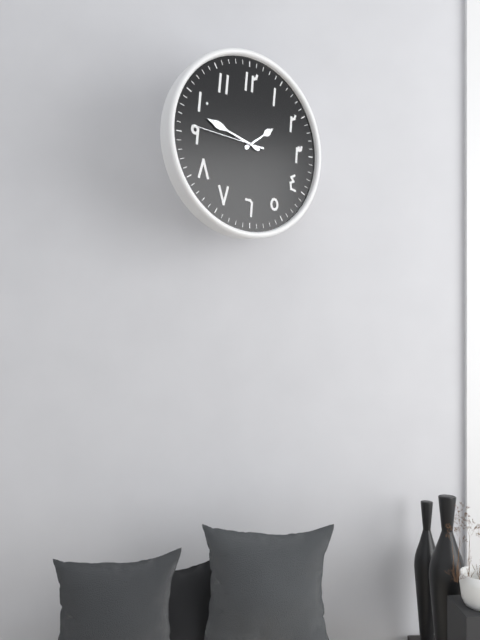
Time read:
1 h 48 min 46 s
